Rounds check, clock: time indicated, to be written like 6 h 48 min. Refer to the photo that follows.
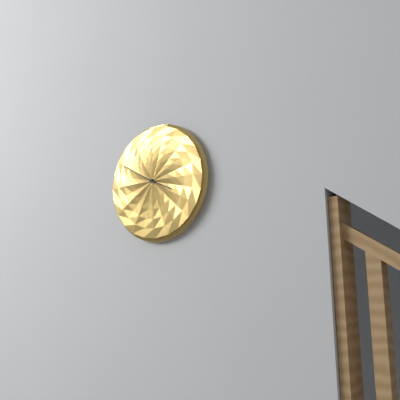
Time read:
3 h 50 min
